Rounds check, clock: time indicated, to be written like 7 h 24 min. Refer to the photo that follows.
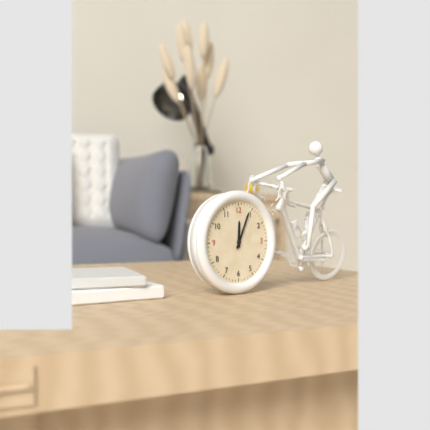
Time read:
12 h 04 min
